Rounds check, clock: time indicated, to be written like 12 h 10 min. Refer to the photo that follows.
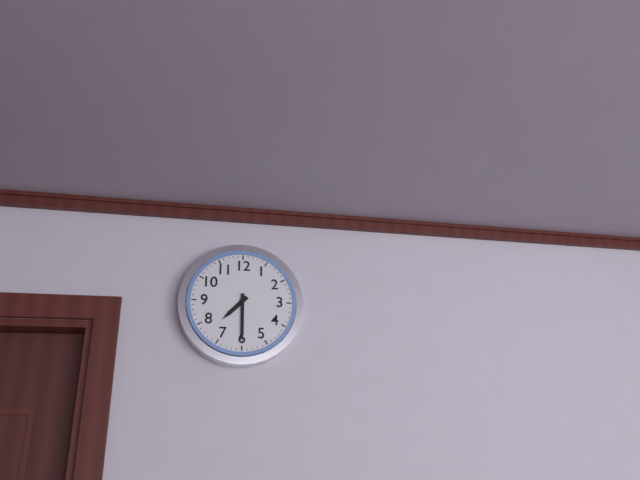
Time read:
7 h 30 min
